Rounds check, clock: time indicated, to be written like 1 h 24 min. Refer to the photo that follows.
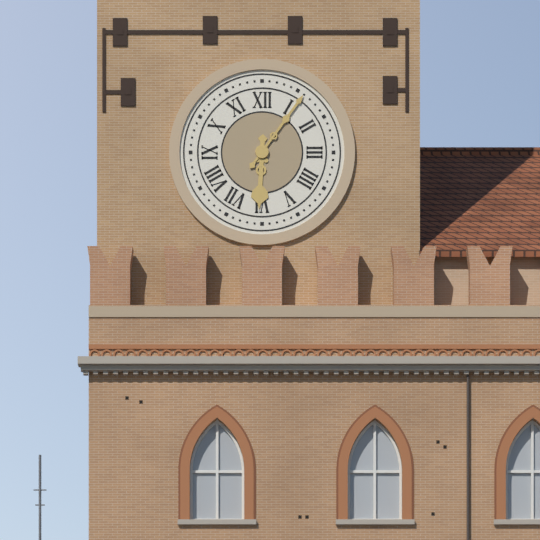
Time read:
6 h 06 min
